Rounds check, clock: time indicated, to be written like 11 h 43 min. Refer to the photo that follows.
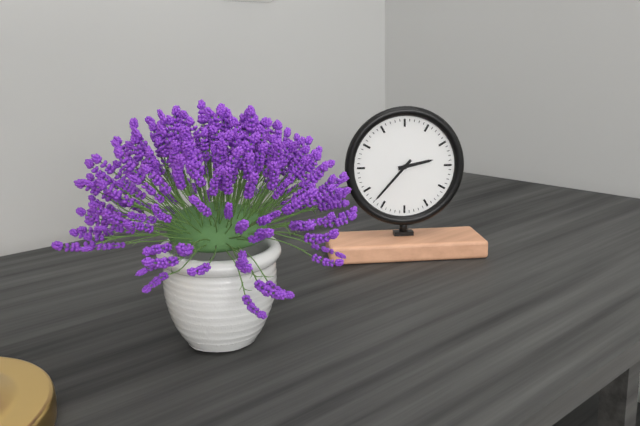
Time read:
2 h 37 min
